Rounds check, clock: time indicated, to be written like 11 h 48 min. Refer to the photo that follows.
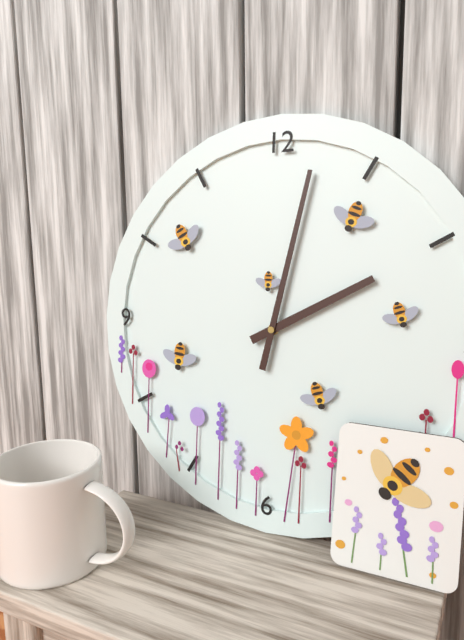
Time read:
2 h 02 min
